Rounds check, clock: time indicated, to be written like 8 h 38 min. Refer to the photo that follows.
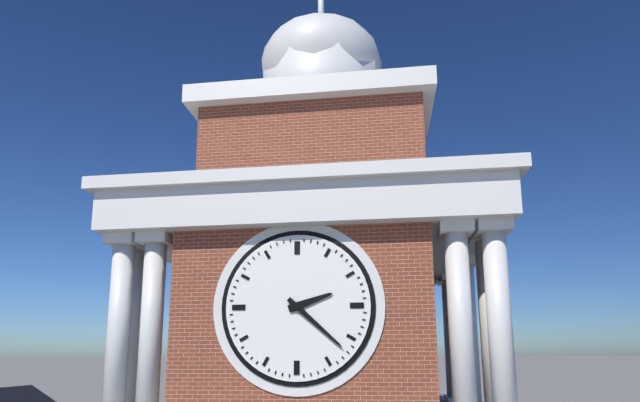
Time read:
2 h 22 min
